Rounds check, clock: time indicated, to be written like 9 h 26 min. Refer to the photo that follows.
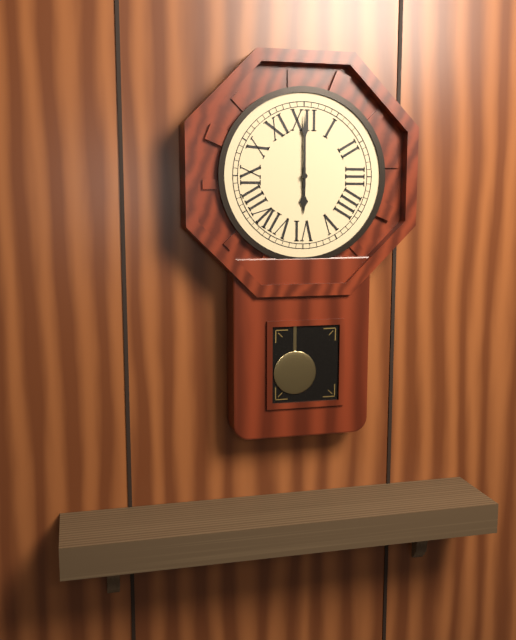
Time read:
6 h 00 min
